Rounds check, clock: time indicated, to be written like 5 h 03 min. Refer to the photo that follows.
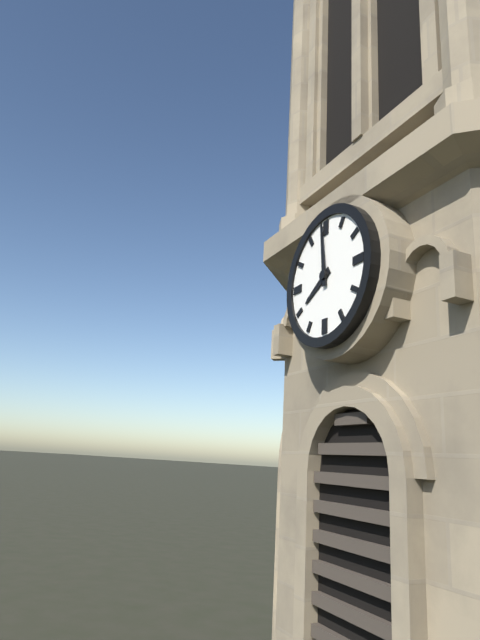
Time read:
7 h 59 min
